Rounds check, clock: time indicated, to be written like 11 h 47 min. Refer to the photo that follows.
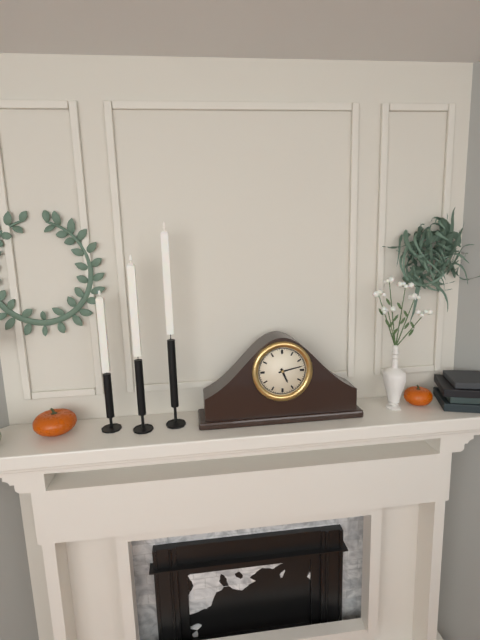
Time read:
5 h 13 min
